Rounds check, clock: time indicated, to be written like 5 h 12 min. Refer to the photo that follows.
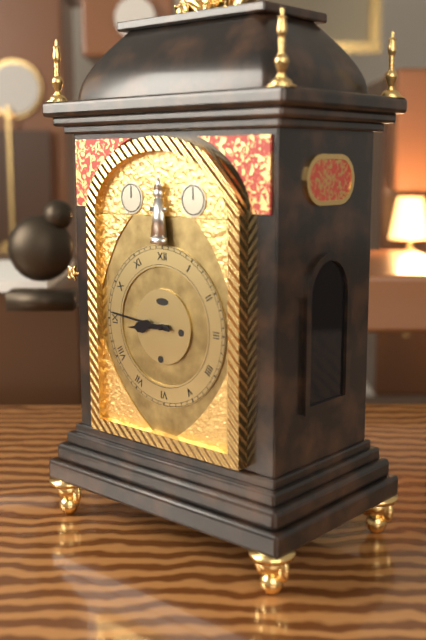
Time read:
8 h 46 min
